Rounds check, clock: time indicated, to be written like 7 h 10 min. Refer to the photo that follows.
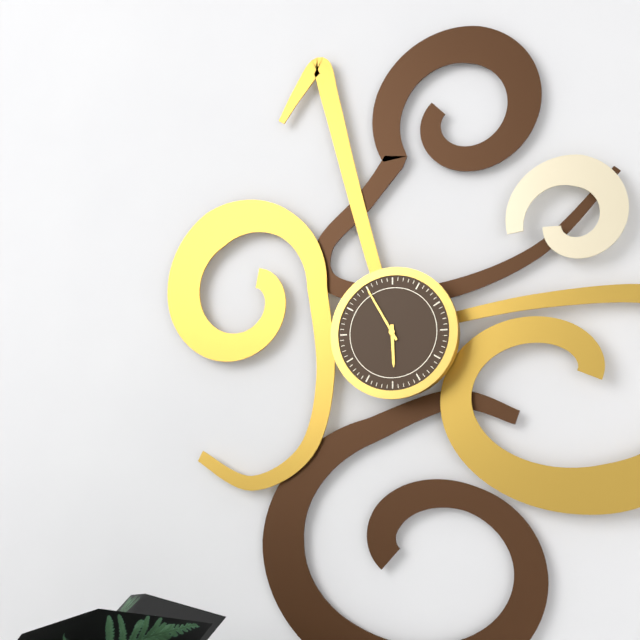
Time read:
5 h 55 min
